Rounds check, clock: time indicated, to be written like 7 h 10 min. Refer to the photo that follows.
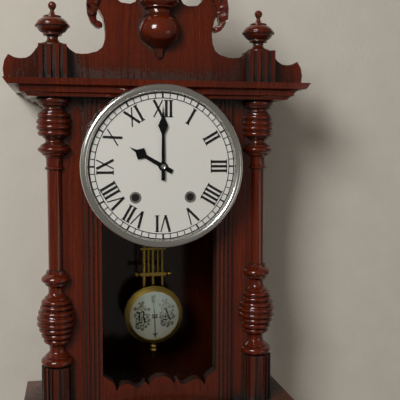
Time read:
10 h 00 min
